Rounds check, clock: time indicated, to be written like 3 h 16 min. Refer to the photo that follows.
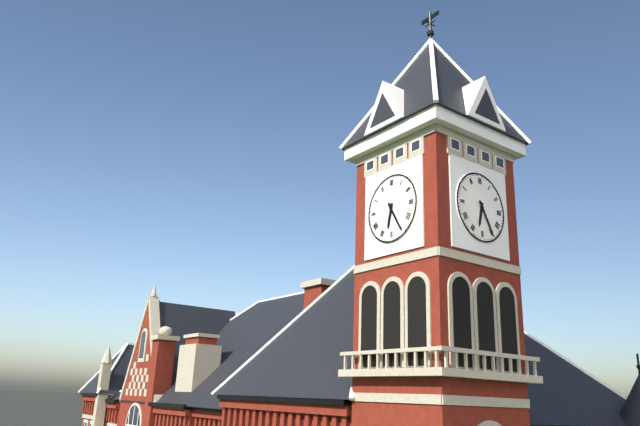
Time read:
6 h 25 min
